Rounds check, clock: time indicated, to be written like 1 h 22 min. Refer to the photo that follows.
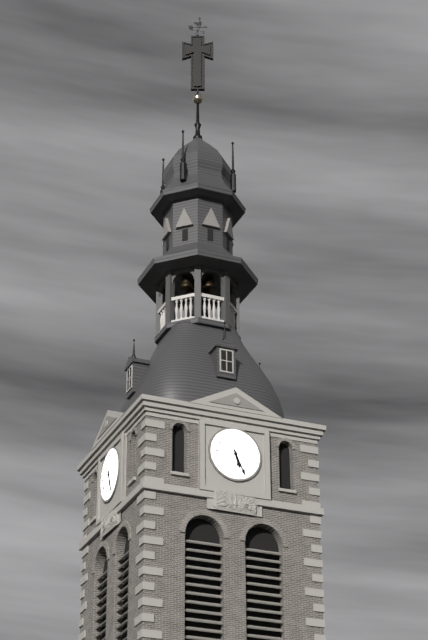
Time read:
5 h 26 min
